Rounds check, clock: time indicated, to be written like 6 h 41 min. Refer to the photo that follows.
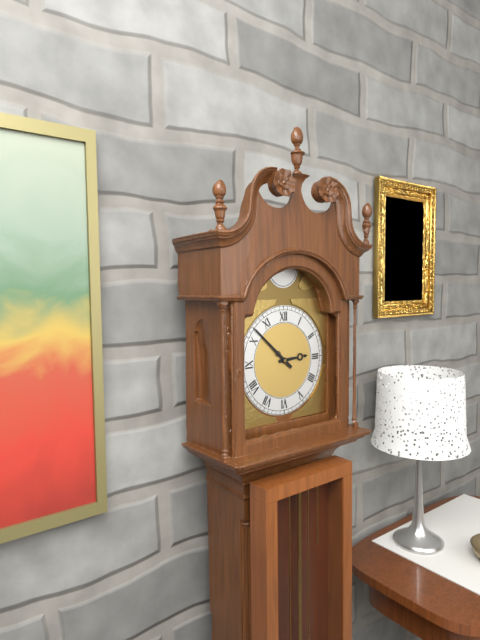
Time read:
2 h 52 min
